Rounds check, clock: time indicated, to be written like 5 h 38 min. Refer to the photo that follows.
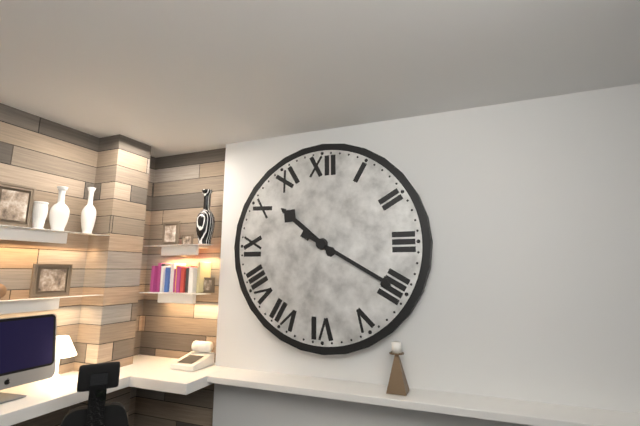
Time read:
10 h 20 min
